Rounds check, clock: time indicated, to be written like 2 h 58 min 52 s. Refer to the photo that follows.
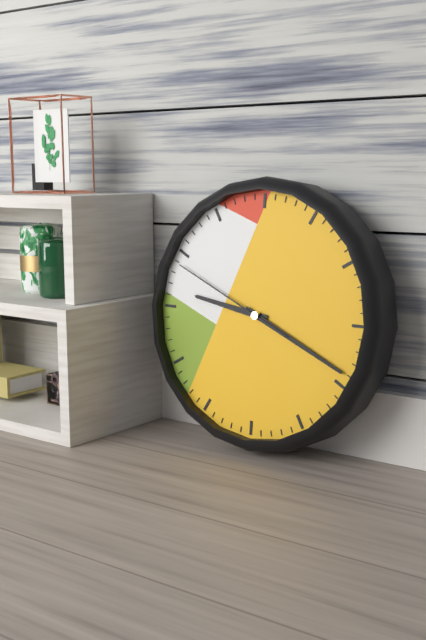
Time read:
9 h 19 min 49 s
